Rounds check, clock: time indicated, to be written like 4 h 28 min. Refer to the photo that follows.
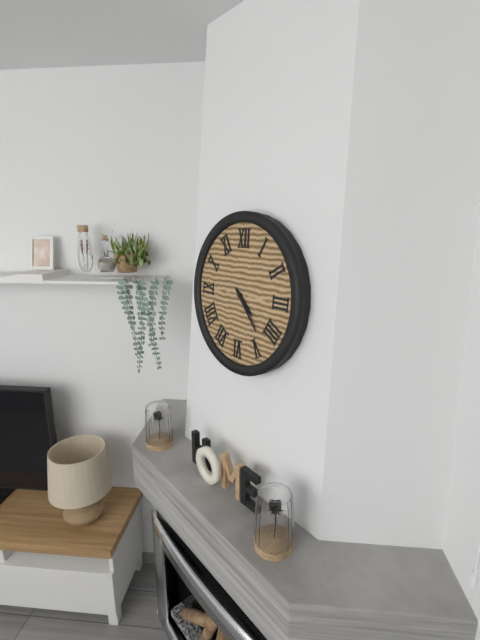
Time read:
4 h 23 min
